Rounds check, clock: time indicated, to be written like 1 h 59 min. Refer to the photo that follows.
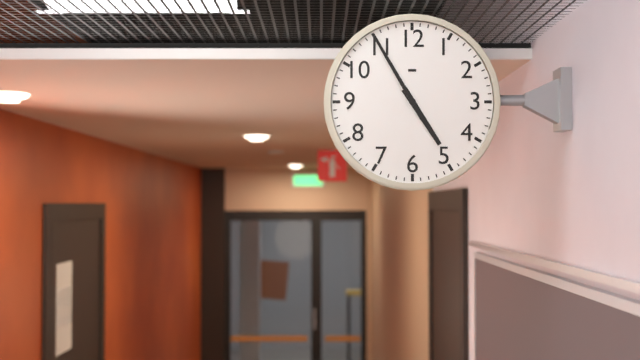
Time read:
4 h 55 min
